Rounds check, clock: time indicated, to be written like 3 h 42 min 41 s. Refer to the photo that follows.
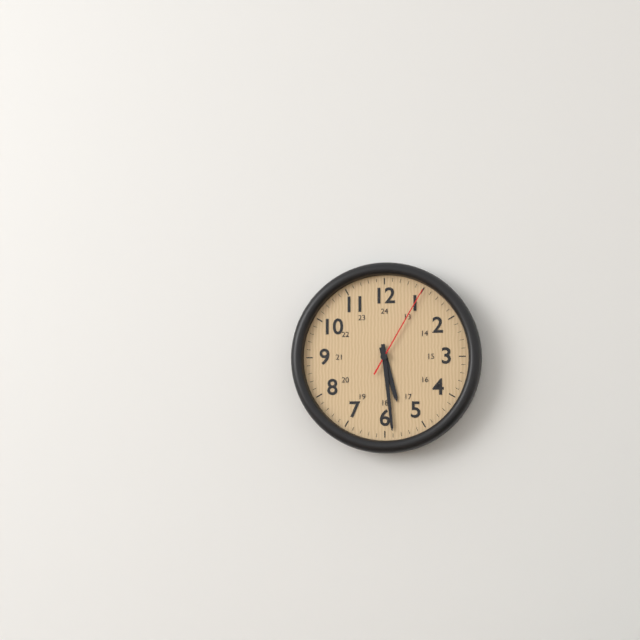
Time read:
5 h 29 min 05 s
